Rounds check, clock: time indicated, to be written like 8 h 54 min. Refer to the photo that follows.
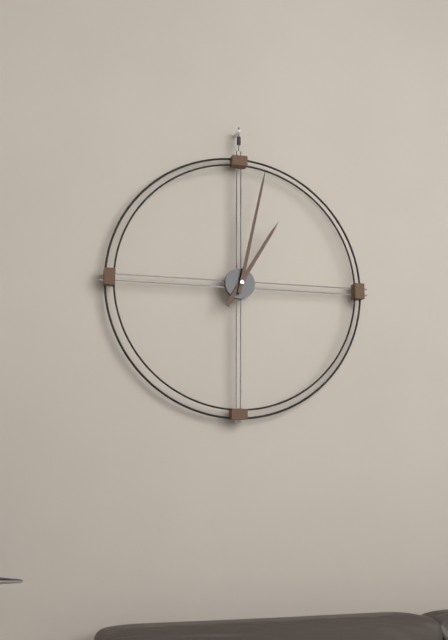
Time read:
1 h 02 min
